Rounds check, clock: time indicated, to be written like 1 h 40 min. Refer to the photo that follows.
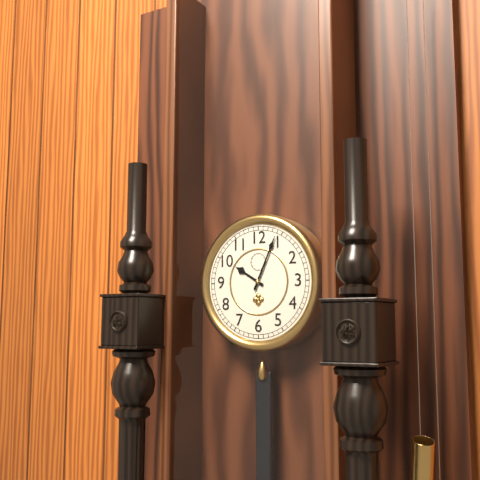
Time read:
10 h 04 min
